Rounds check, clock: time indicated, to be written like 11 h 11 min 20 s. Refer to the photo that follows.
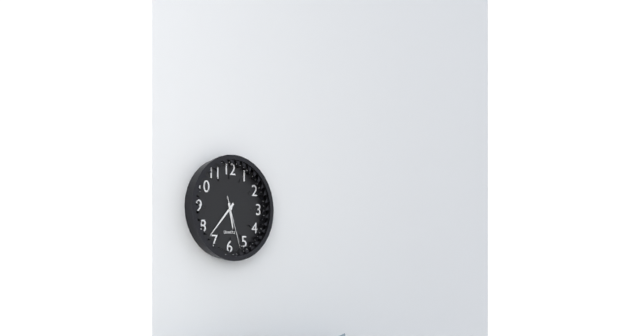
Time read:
5 h 37 min 27 s
